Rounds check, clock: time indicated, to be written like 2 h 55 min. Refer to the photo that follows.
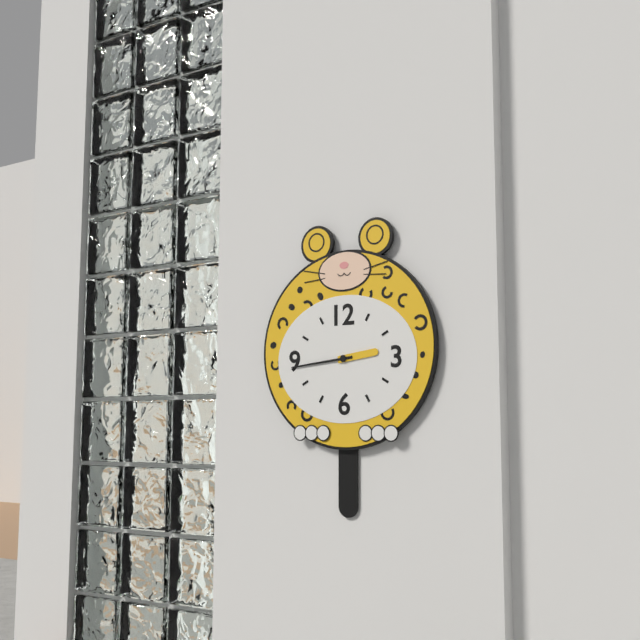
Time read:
2 h 44 min
